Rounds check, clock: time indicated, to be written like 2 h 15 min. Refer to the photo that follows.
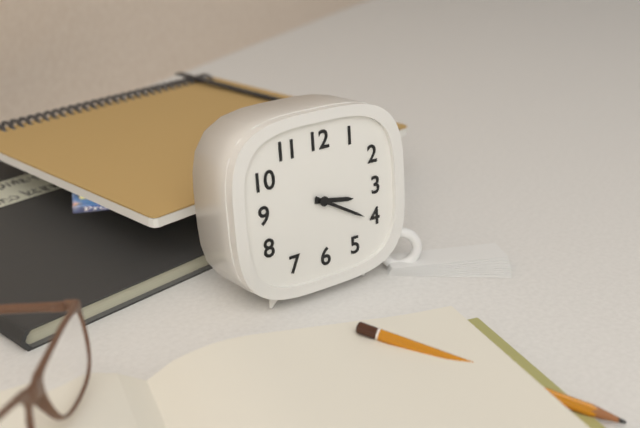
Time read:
3 h 20 min
